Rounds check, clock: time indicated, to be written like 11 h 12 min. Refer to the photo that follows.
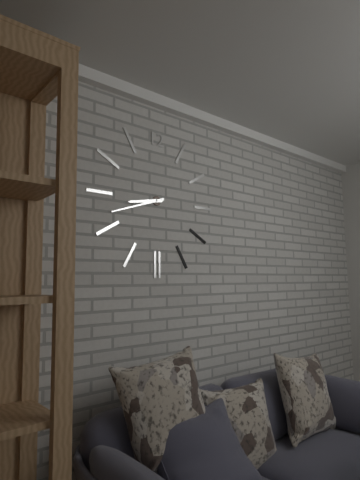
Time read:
8 h 42 min
